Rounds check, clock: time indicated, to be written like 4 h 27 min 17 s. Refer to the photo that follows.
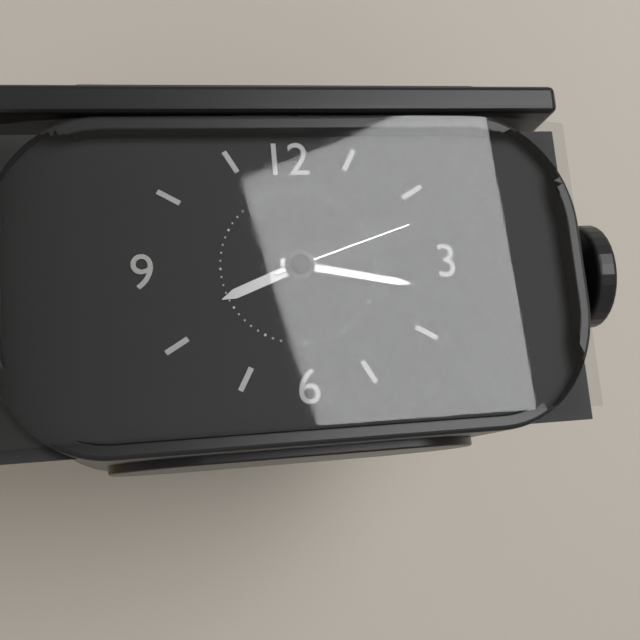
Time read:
8 h 17 min 12 s
